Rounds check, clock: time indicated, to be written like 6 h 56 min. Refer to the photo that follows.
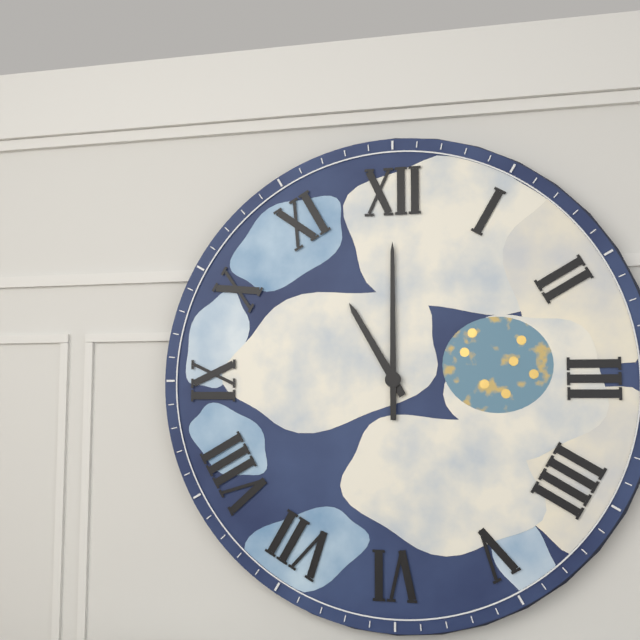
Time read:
11 h 00 min
